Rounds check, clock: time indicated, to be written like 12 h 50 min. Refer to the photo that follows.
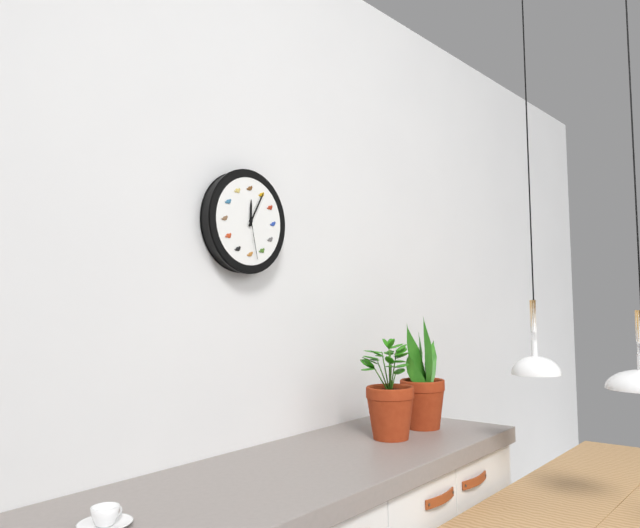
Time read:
12 h 05 min
